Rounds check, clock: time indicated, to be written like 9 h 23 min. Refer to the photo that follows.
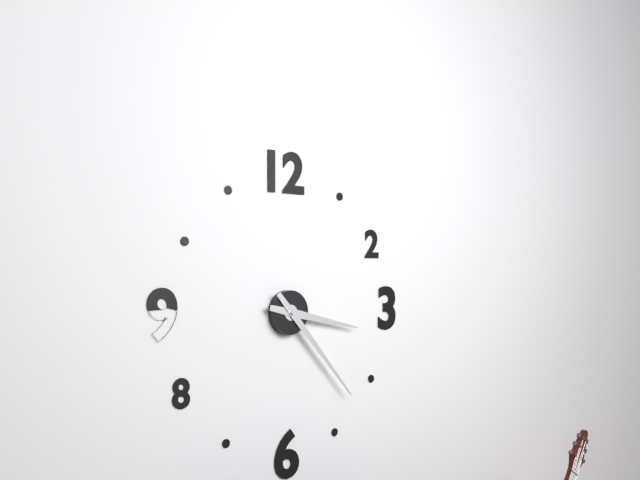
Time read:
3 h 23 min
